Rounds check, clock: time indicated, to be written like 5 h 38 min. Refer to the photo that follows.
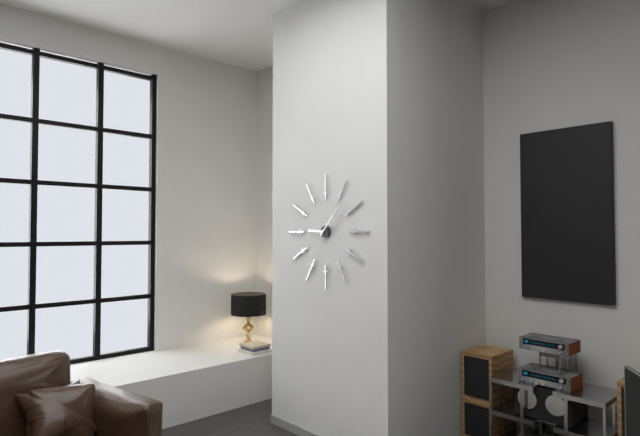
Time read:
9 h 07 min
